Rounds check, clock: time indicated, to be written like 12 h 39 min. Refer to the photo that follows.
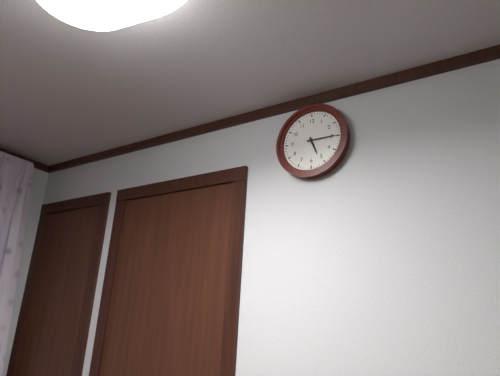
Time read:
5 h 15 min
